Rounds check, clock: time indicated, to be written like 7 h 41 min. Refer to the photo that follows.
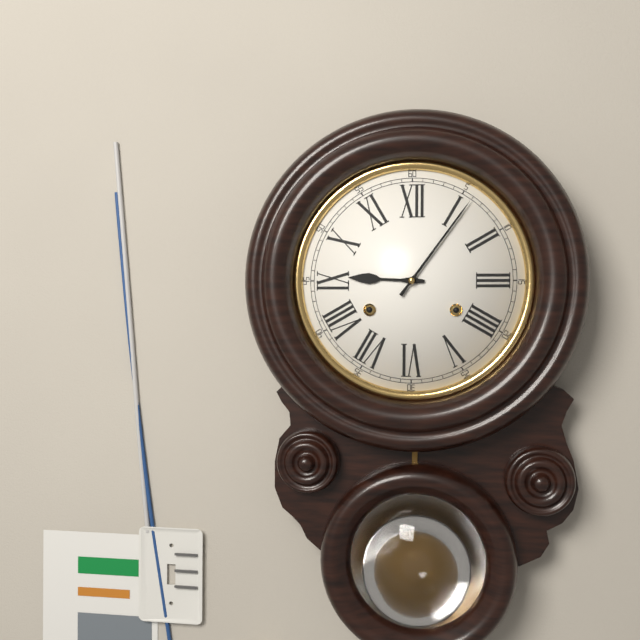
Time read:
9 h 06 min
